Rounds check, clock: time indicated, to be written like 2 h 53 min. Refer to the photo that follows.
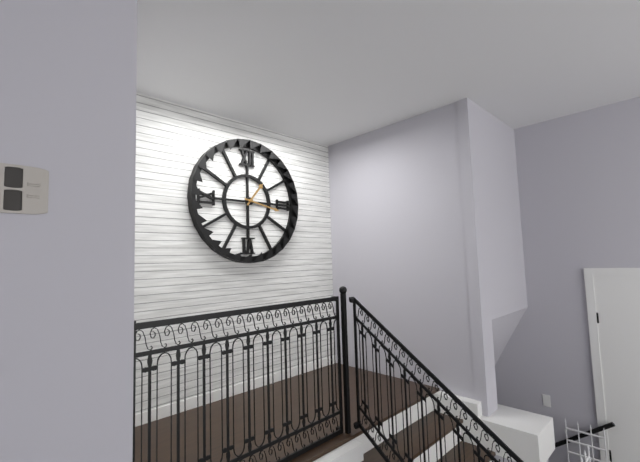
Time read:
1 h 17 min
